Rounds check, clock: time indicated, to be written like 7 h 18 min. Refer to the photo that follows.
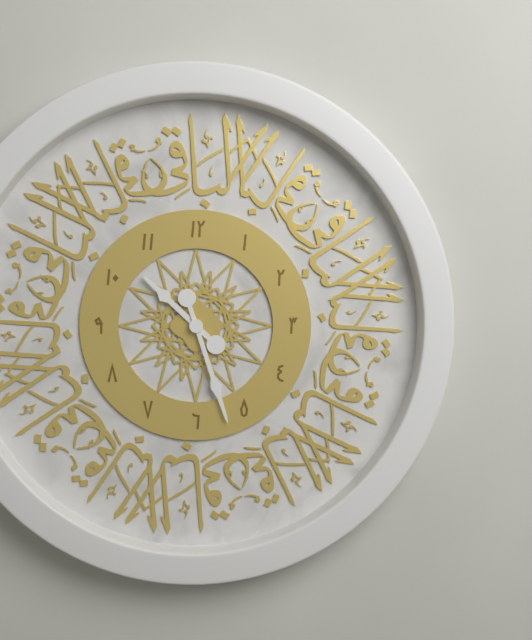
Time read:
10 h 27 min
